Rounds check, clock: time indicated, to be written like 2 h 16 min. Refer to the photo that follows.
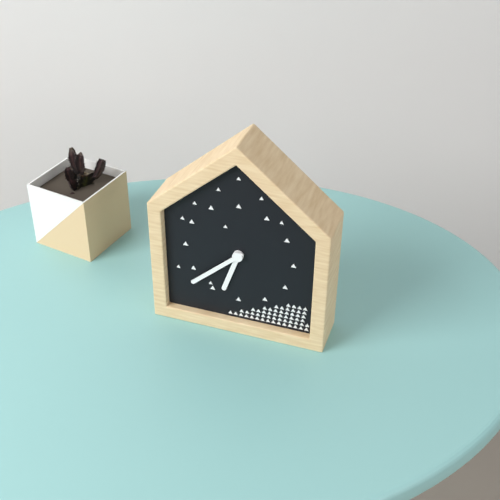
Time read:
6 h 38 min
